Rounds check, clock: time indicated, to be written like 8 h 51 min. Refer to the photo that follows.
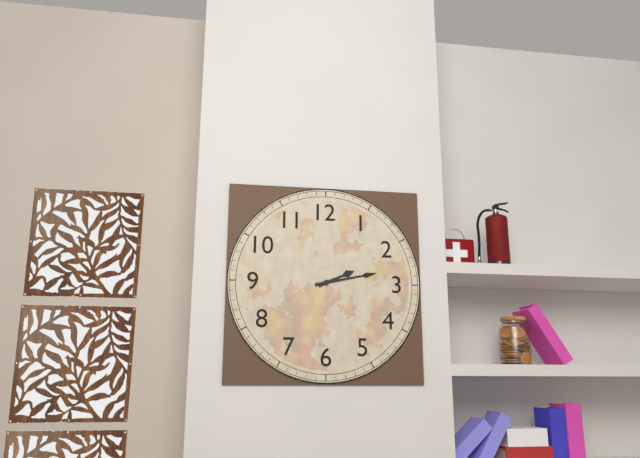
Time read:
2 h 13 min
